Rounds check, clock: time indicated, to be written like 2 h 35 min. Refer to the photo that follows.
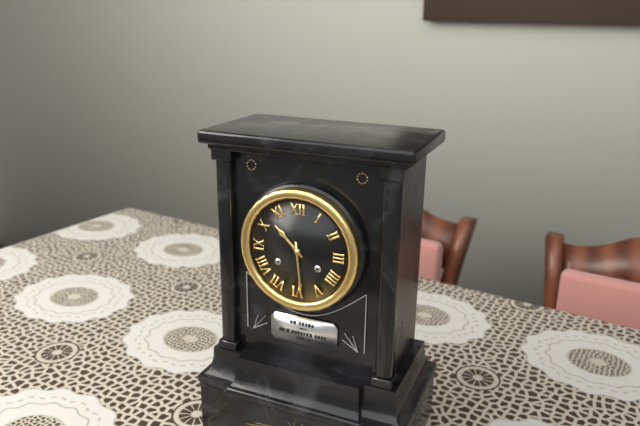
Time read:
10 h 29 min
